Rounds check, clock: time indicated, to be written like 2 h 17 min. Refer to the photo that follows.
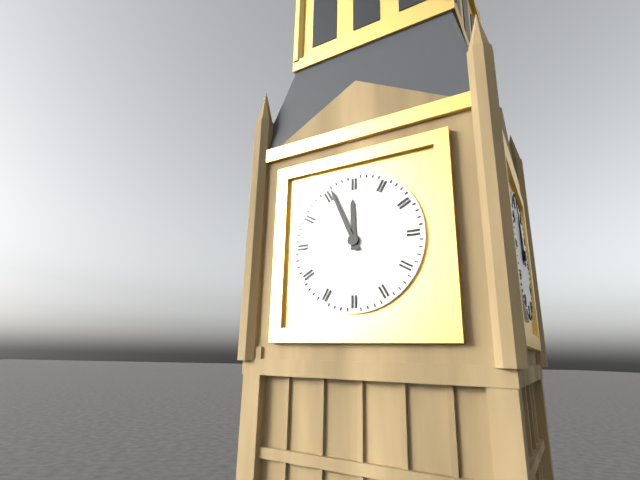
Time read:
11 h 56 min
